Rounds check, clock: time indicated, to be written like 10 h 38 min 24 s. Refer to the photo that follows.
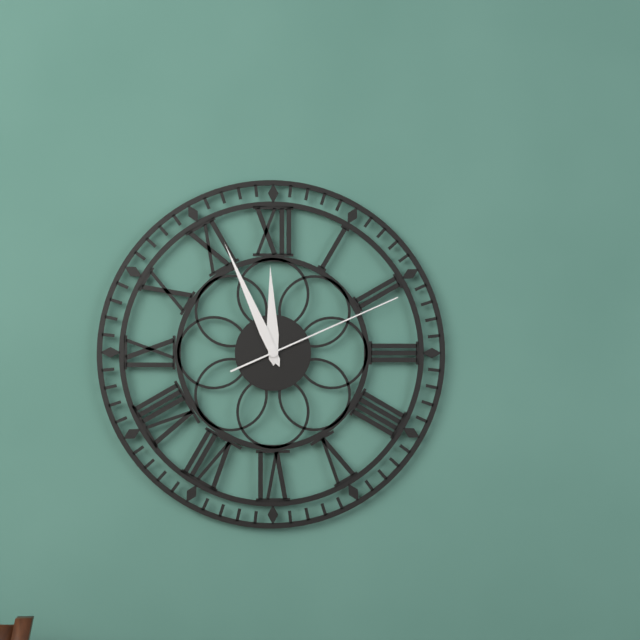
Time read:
11 h 56 min 11 s
